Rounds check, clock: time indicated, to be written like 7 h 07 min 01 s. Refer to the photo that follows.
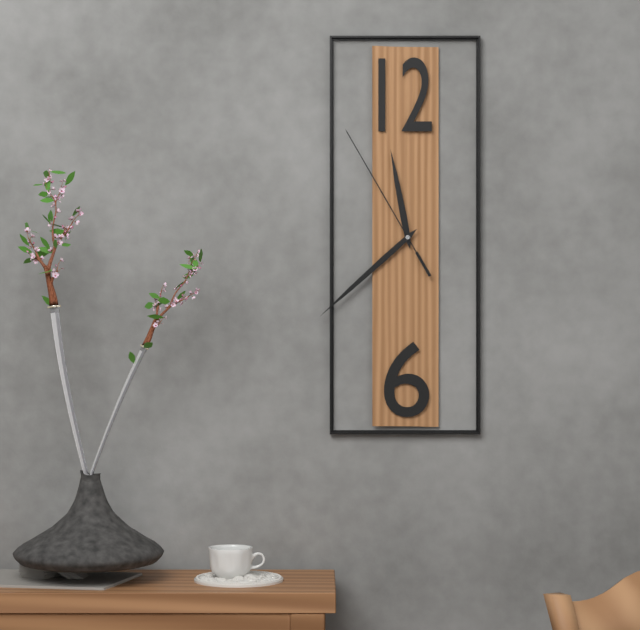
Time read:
11 h 38 min 55 s
